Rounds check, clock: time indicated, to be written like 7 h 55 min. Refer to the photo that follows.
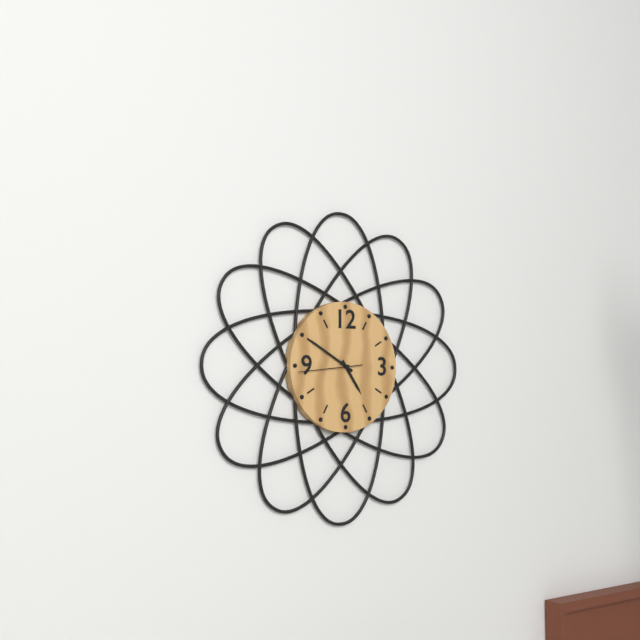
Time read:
4 h 50 min
